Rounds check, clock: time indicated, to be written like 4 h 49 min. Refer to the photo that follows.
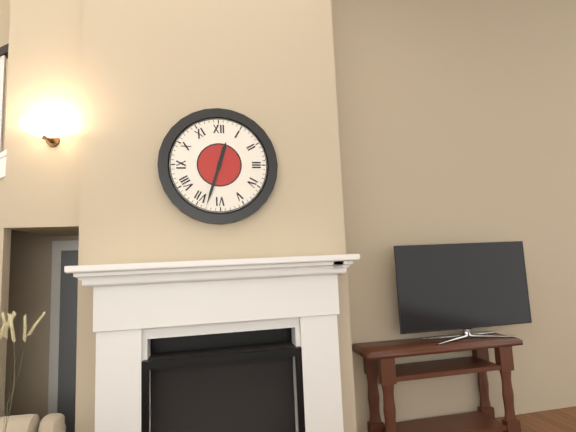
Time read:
12 h 33 min
